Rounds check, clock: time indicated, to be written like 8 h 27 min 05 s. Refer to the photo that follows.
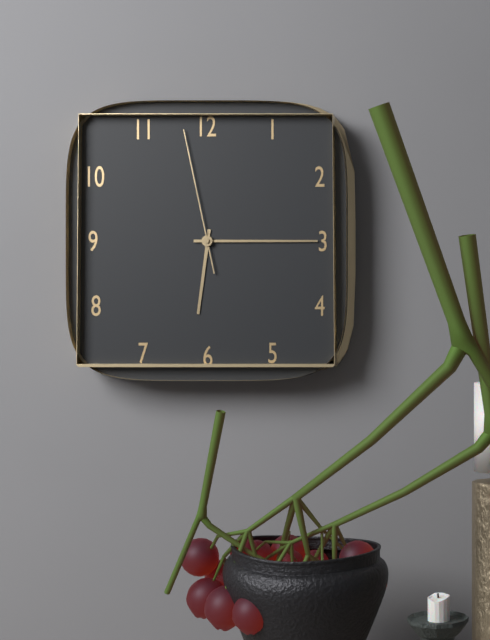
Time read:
6 h 15 min 58 s
